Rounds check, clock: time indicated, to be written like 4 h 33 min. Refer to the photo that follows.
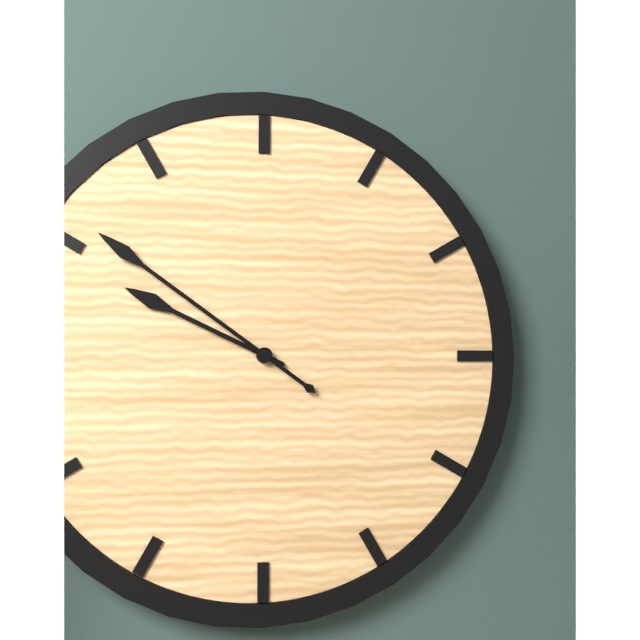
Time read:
9 h 51 min
